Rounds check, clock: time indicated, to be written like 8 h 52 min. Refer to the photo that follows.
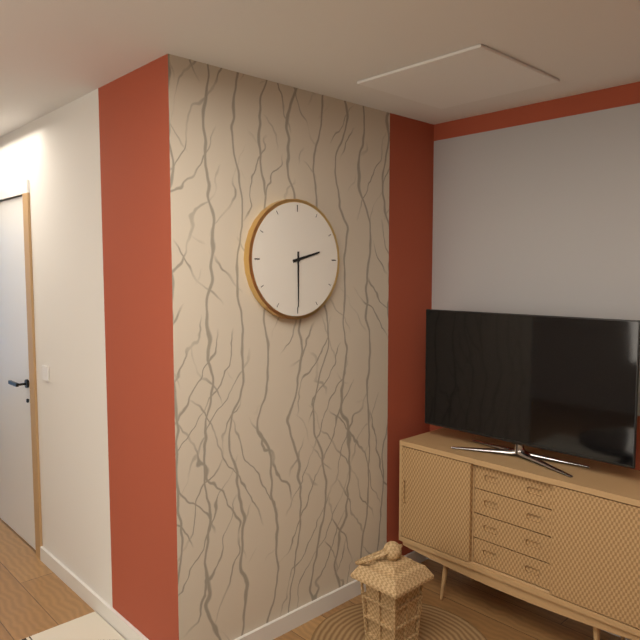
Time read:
2 h 30 min
